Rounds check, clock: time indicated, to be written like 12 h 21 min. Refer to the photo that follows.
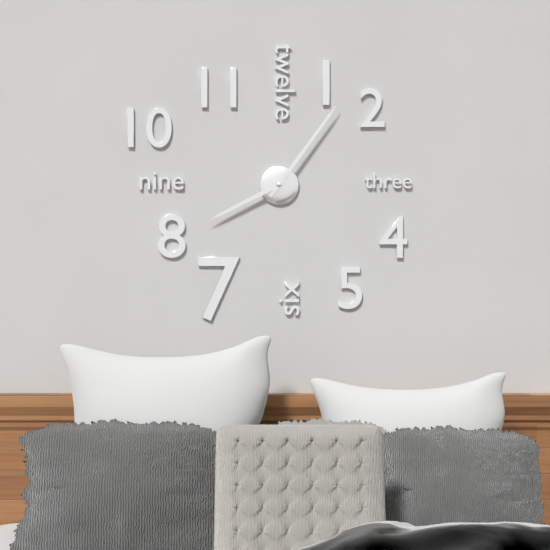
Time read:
8 h 06 min
